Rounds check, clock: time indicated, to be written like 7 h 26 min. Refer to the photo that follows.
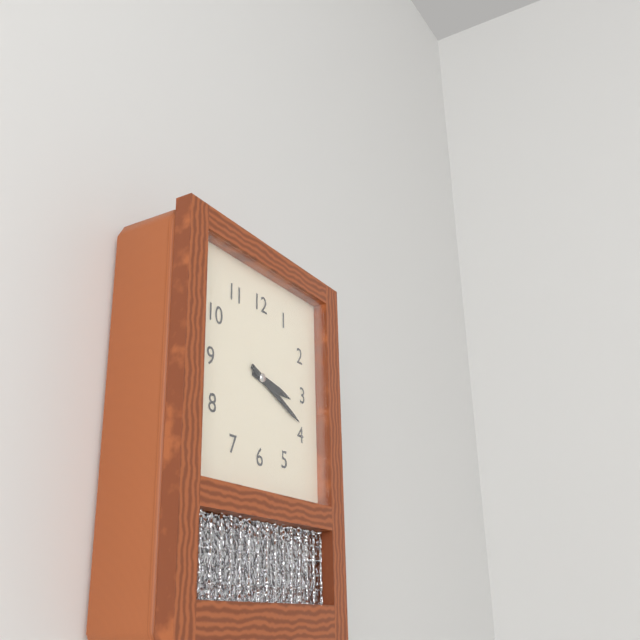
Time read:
3 h 19 min
